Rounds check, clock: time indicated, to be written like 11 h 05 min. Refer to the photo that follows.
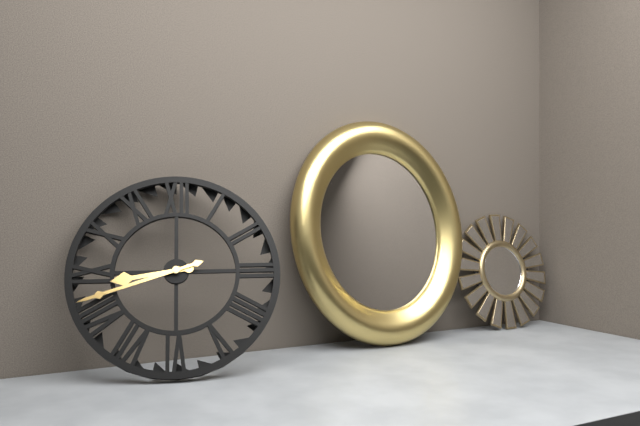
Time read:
8 h 42 min
